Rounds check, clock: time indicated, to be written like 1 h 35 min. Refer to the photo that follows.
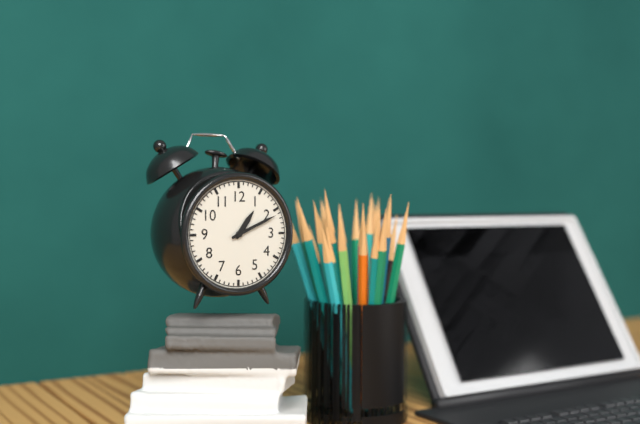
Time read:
1 h 11 min
